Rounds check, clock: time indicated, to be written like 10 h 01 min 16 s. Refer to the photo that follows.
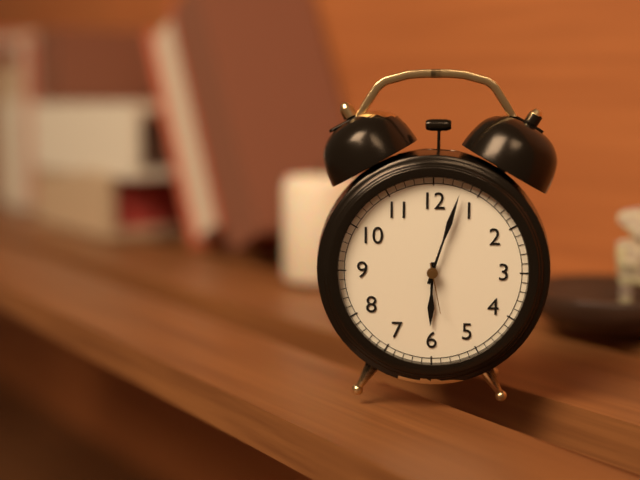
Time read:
6 h 03 min 28 s
